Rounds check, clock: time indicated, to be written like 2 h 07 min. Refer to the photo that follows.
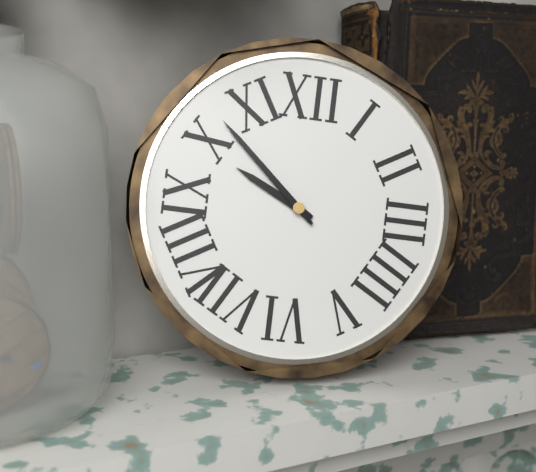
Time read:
9 h 52 min
